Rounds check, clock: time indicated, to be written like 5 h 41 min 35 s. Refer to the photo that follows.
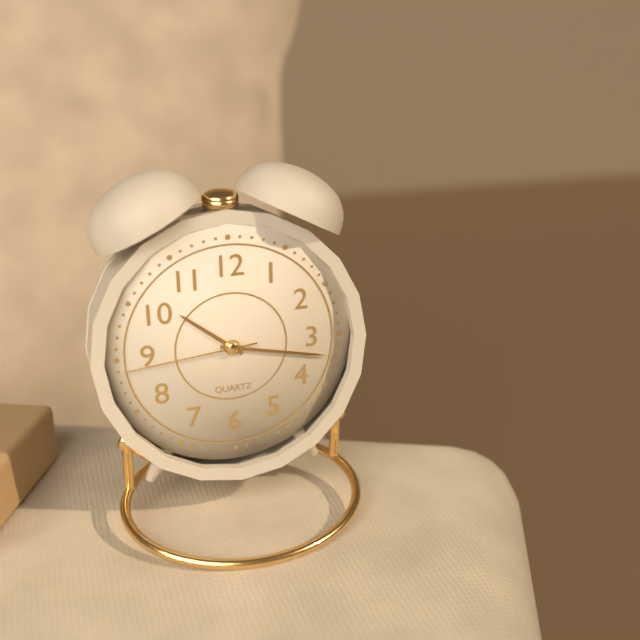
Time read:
10 h 17 min 44 s
